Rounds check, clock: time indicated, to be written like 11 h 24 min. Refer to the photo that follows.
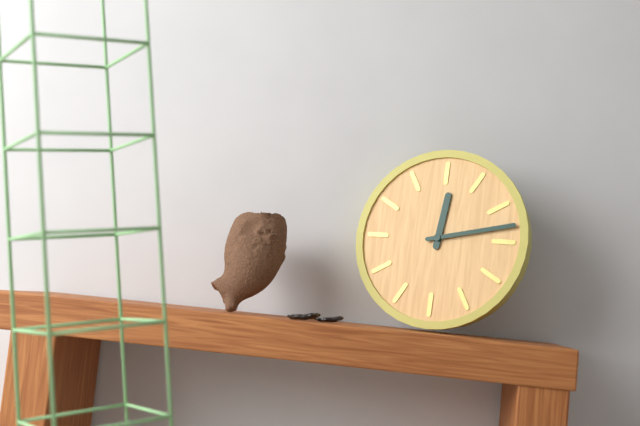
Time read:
12 h 13 min
